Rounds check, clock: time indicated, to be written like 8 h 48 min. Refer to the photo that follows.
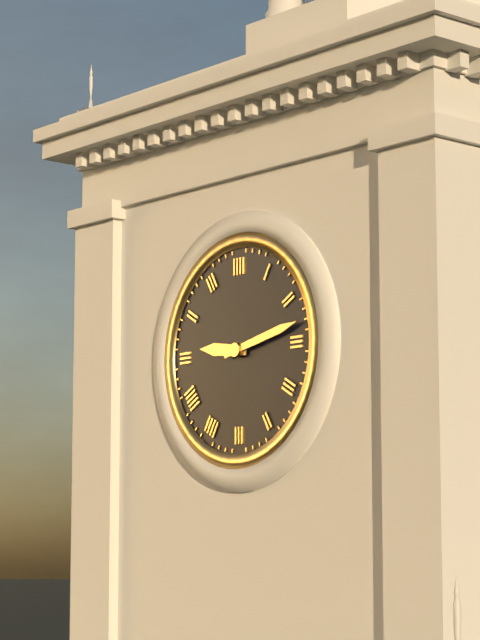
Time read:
9 h 13 min
